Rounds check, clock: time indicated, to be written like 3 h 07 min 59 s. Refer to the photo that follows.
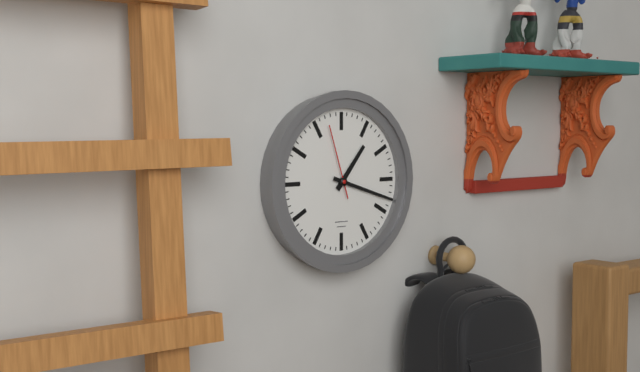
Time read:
1 h 18 min 57 s
